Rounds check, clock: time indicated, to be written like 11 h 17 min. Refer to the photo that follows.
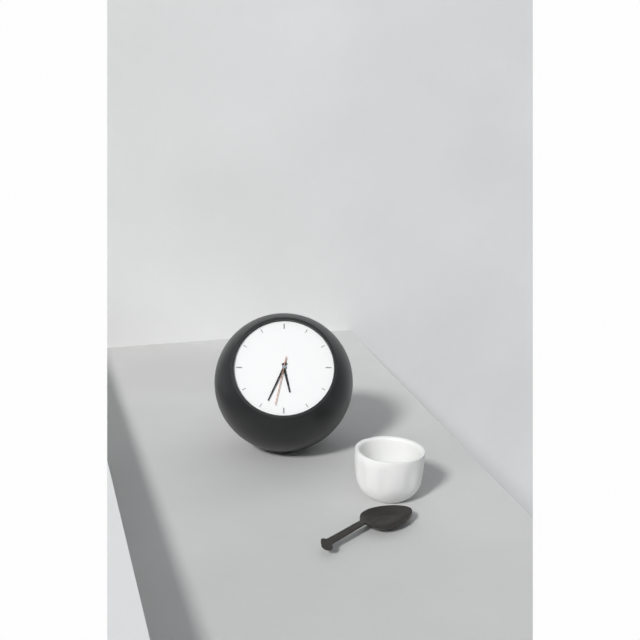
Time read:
5 h 34 min
